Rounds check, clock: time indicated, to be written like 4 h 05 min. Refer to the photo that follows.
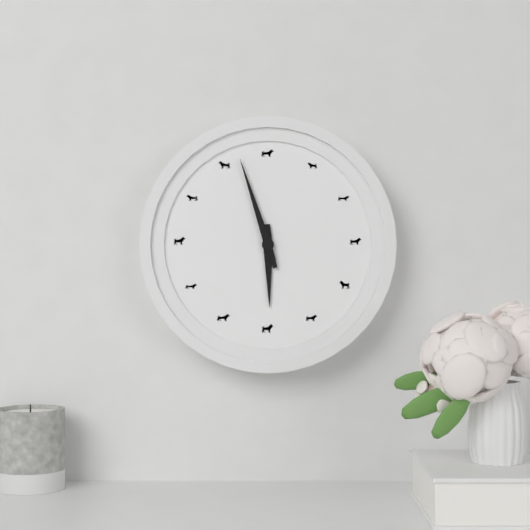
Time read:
5 h 57 min
